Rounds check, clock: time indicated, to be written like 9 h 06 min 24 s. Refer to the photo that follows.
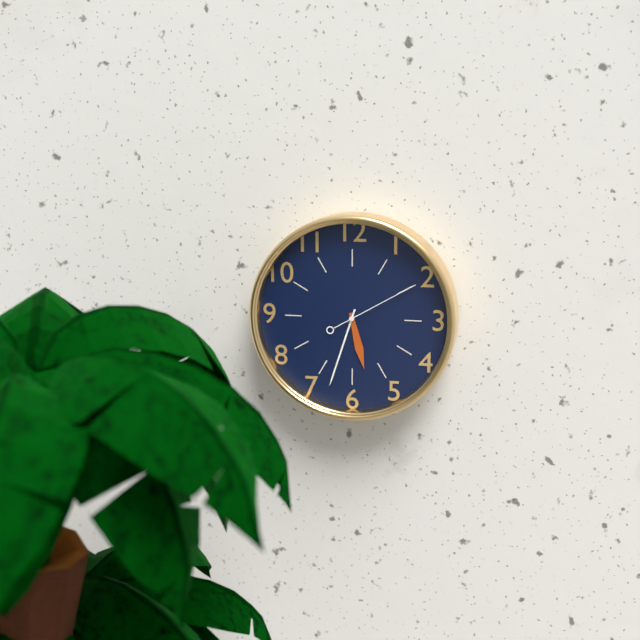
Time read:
5 h 33 min 10 s
